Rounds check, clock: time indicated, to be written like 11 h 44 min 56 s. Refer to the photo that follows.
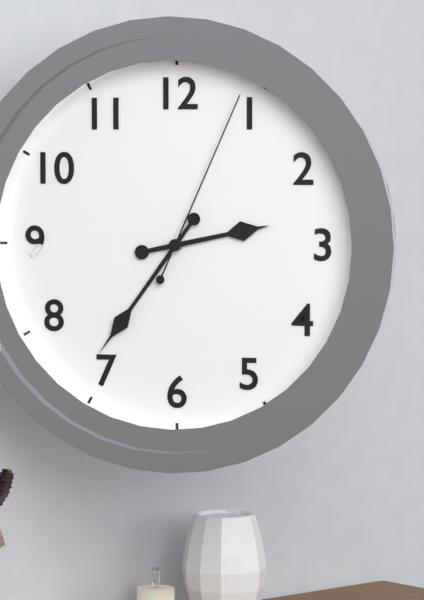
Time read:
2 h 36 min 04 s
